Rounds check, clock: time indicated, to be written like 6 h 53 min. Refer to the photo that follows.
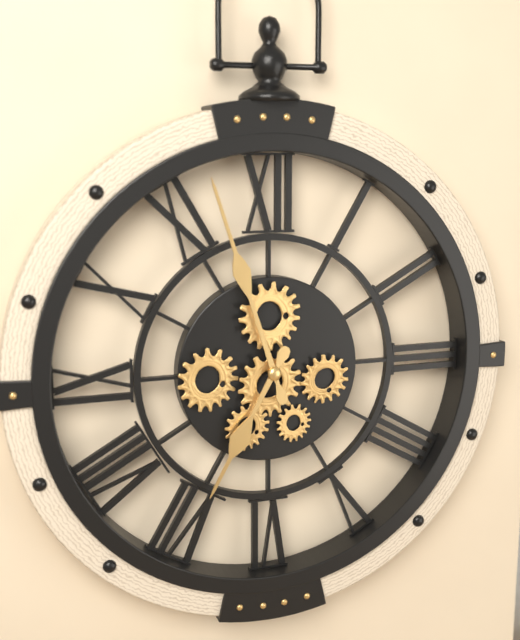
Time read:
6 h 57 min
